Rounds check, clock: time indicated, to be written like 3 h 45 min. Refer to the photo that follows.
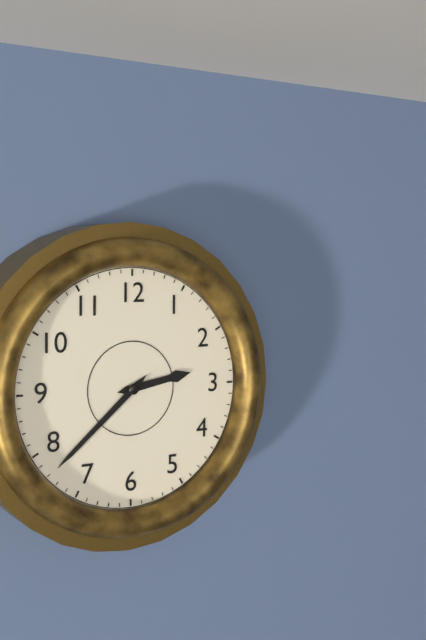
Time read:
2 h 38 min
